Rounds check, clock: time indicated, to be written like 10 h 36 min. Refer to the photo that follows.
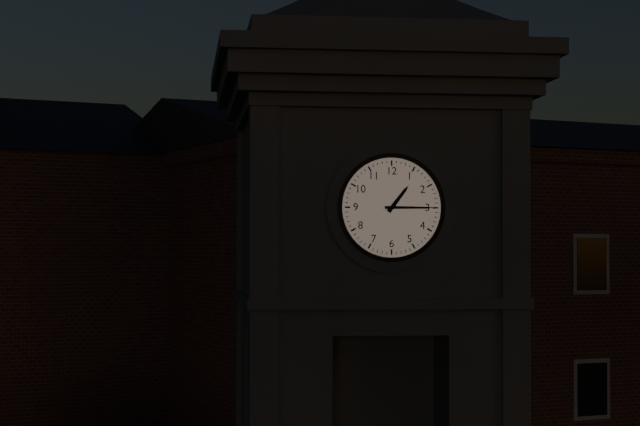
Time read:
1 h 15 min
